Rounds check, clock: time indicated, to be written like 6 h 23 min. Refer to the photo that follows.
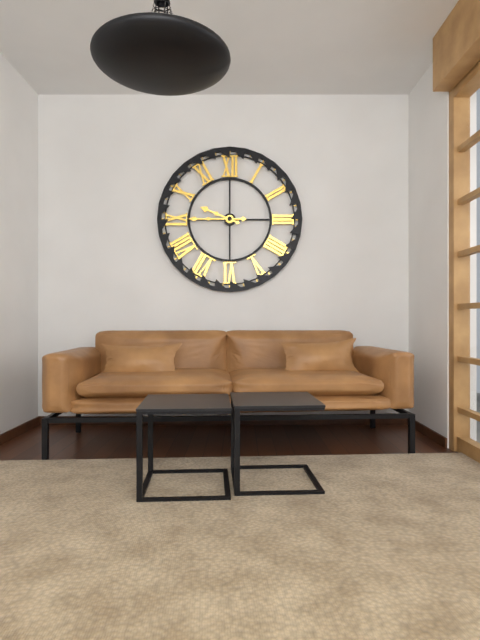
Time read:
9 h 45 min
